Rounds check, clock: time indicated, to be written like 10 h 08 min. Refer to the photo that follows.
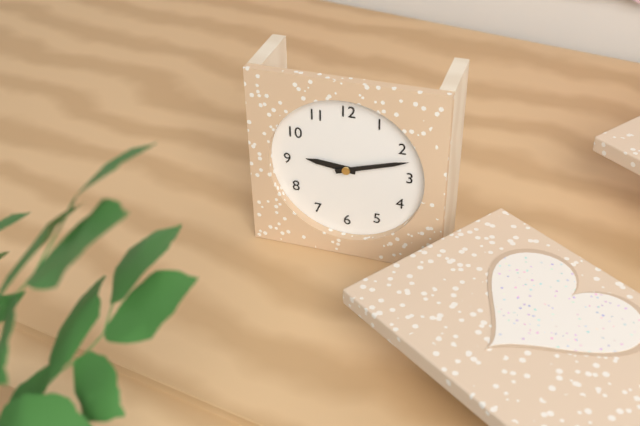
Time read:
9 h 12 min
